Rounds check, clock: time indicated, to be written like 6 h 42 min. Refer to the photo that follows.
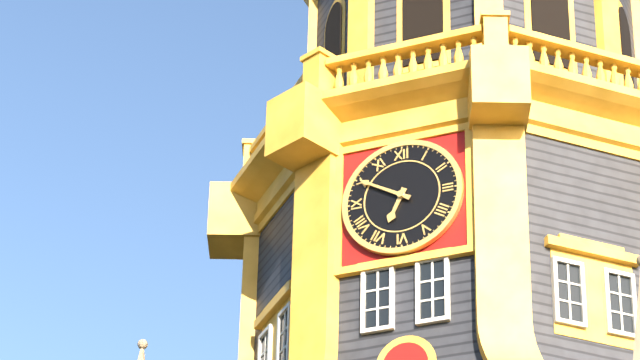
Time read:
6 h 50 min
